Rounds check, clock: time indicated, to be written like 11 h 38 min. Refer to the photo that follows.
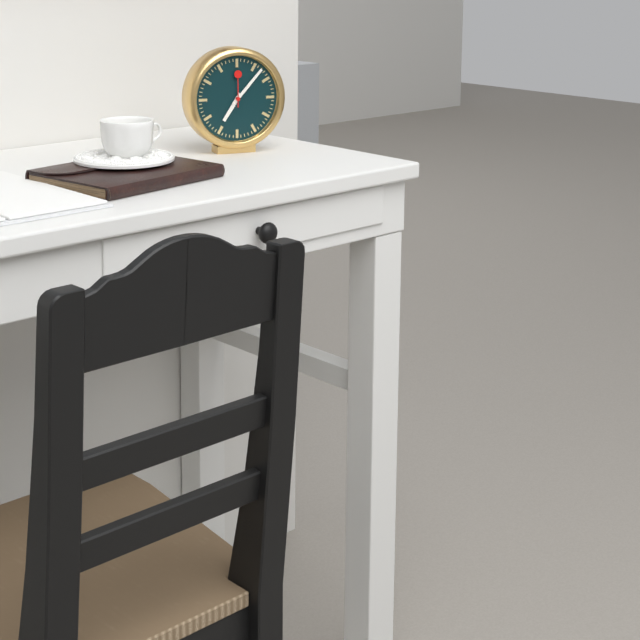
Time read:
7 h 07 min
